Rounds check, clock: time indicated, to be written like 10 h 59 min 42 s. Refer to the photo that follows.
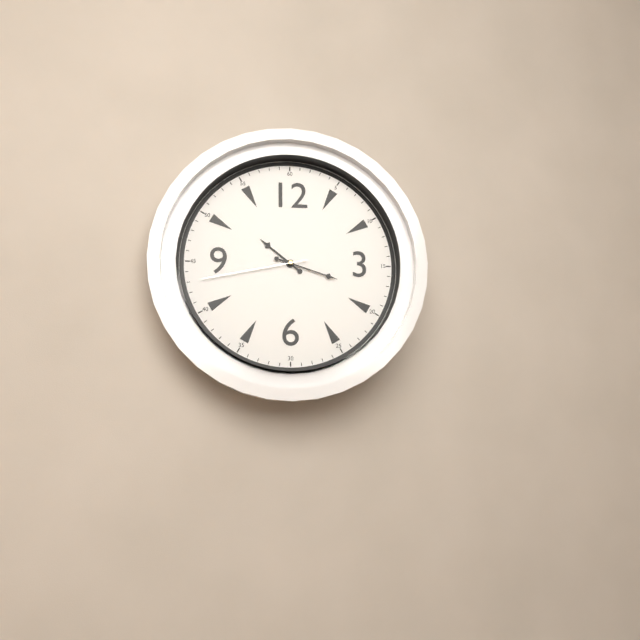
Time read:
10 h 18 min 43 s
